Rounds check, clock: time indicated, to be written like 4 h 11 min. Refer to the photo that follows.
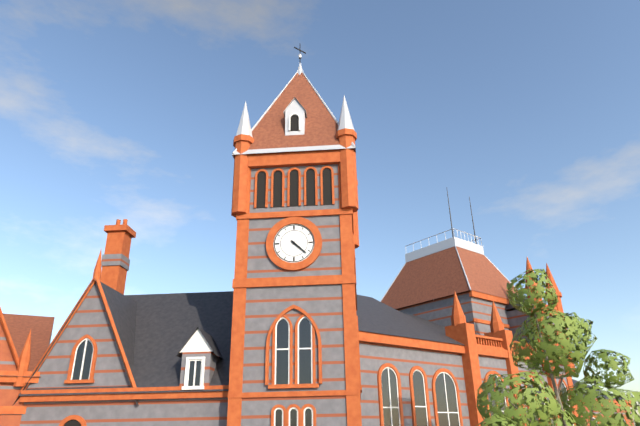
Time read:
4 h 22 min
